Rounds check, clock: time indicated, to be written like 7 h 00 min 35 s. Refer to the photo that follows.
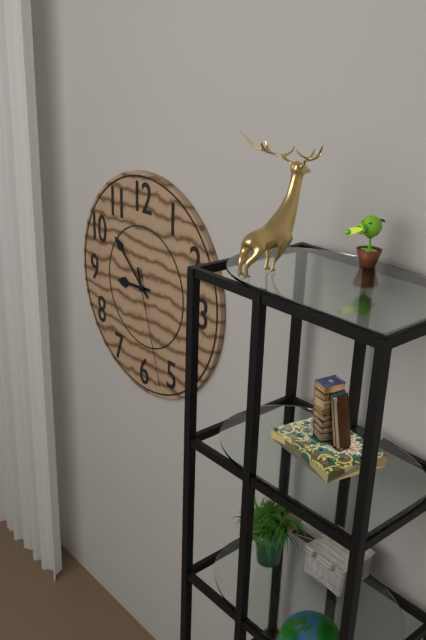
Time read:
8 h 52 min 27 s
